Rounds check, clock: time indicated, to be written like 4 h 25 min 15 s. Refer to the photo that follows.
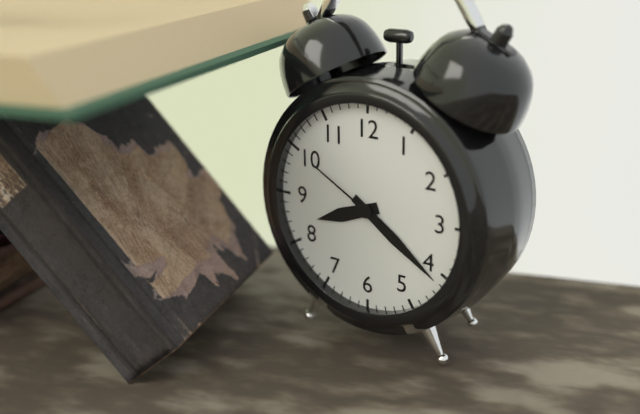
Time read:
8 h 21 min 50 s
